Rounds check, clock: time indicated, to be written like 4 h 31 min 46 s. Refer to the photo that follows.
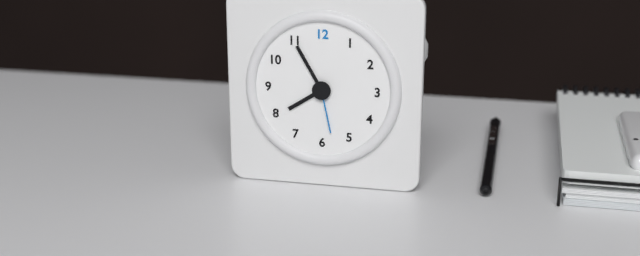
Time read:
7 h 55 min 28 s
